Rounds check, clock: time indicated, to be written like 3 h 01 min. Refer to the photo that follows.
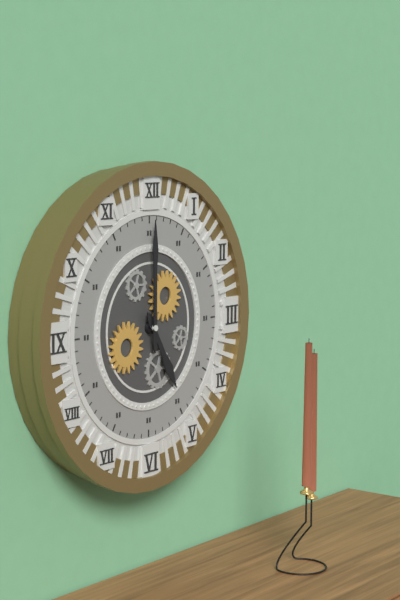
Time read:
5 h 00 min
